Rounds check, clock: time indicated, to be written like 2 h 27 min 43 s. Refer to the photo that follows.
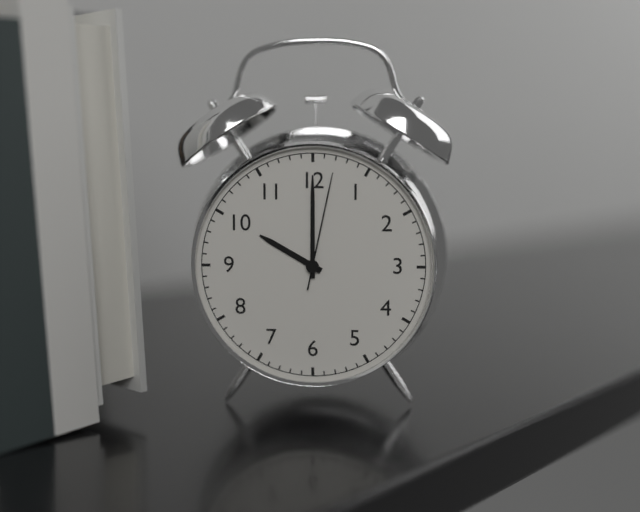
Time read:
10 h 00 min 02 s
